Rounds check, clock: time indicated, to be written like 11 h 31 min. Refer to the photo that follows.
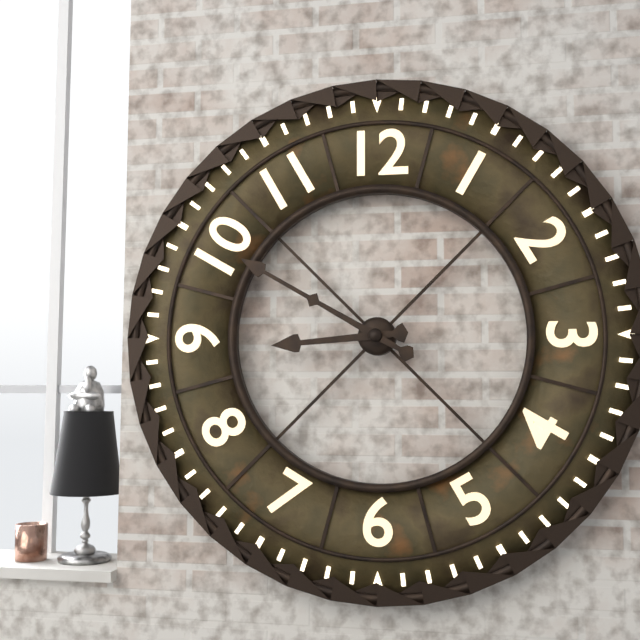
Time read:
8 h 50 min
